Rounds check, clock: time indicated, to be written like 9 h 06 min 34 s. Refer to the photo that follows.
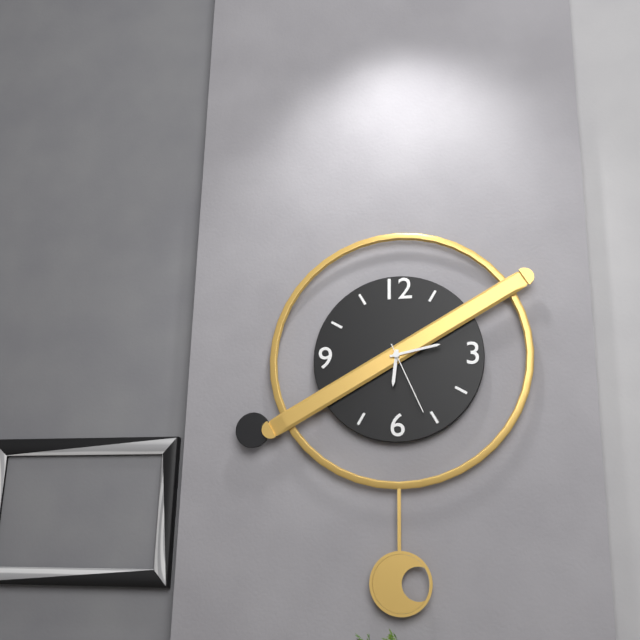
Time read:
6 h 13 min 26 s
